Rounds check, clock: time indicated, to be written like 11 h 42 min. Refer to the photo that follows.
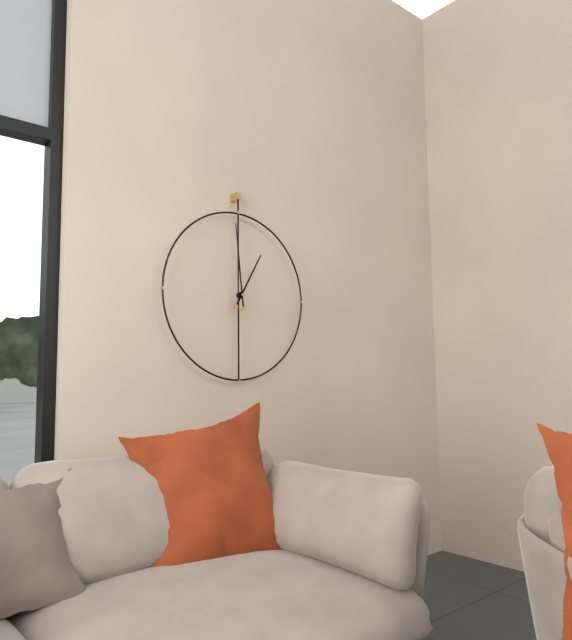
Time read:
12 h 59 min
